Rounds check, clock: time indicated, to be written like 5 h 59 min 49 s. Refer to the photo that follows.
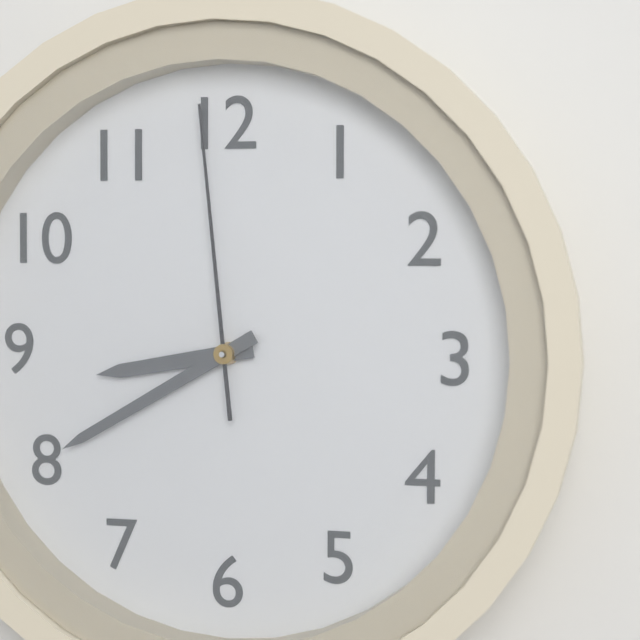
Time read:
8 h 40 min 59 s
